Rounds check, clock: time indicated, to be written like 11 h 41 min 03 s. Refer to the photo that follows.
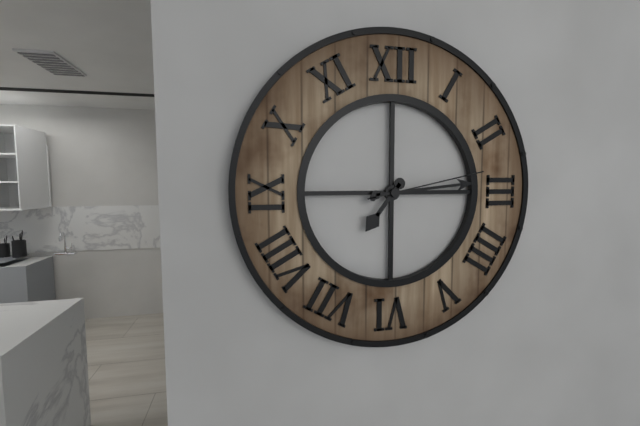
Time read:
7 h 14 min 13 s
